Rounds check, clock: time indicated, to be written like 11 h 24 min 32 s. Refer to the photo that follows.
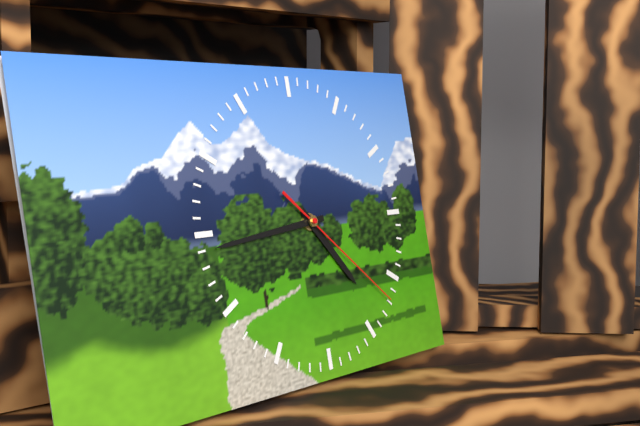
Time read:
4 h 44 min 22 s
